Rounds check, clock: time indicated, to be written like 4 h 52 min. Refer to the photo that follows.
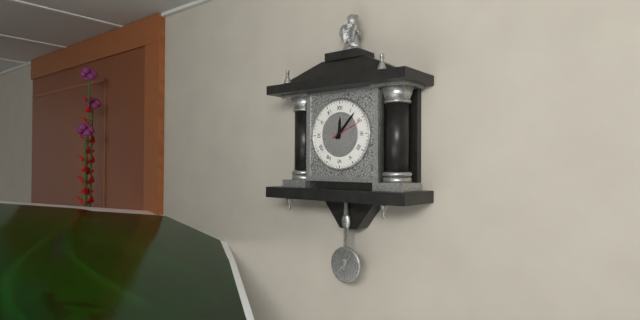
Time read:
12 h 07 min
